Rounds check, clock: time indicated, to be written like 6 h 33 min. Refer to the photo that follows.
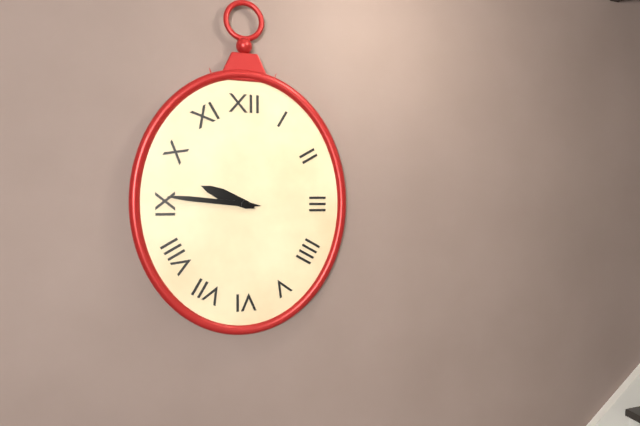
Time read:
9 h 46 min
